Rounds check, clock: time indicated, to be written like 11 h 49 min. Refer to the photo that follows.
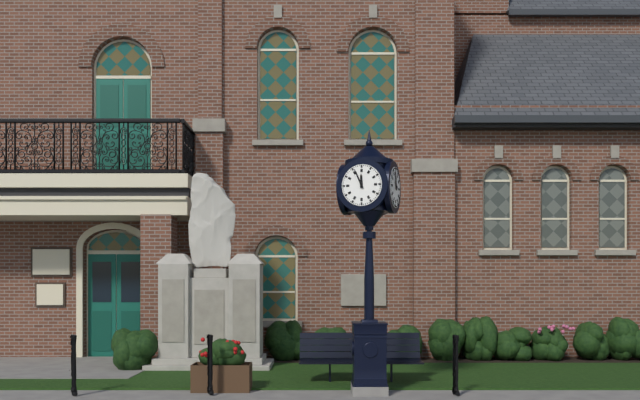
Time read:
11 h 56 min
